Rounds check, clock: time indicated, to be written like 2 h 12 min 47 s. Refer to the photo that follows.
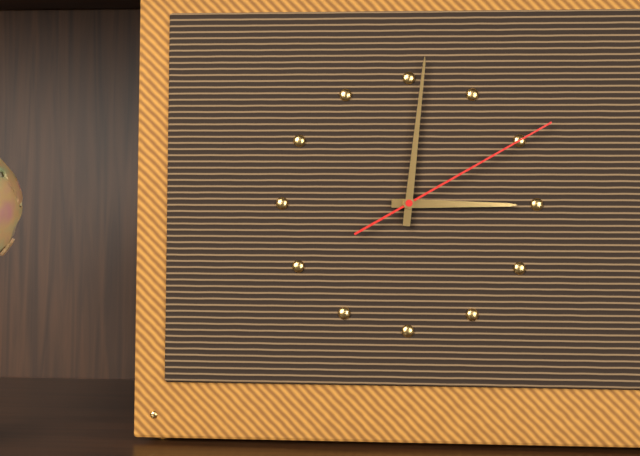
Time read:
3 h 01 min 10 s
